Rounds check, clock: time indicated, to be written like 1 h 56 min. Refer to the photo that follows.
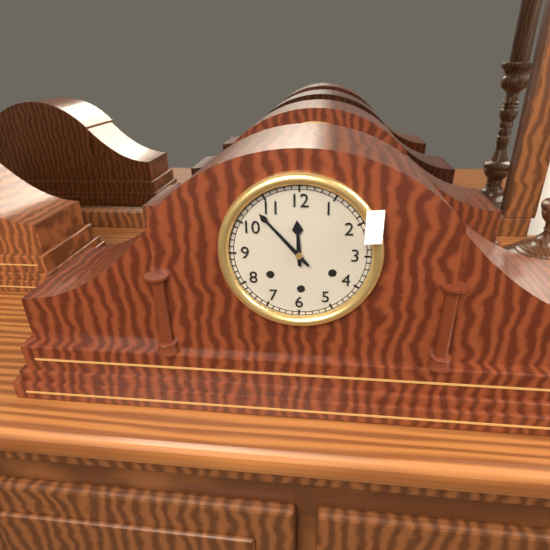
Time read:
11 h 53 min
